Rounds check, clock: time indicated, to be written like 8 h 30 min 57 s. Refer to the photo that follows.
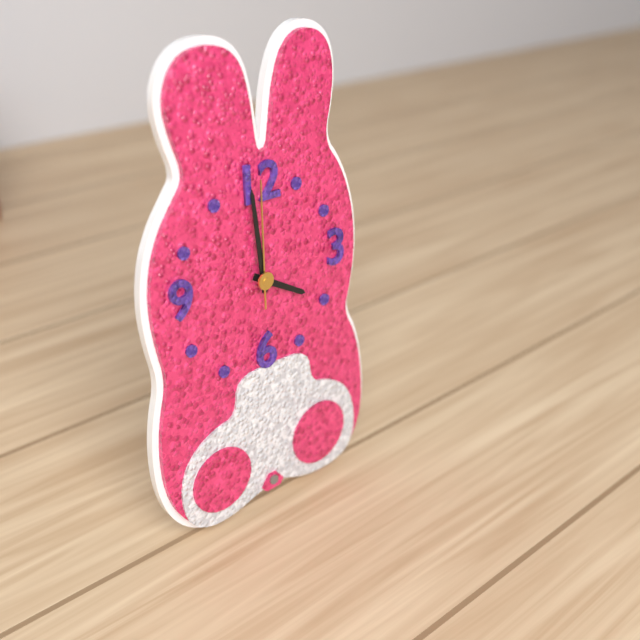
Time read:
3 h 59 min 00 s
